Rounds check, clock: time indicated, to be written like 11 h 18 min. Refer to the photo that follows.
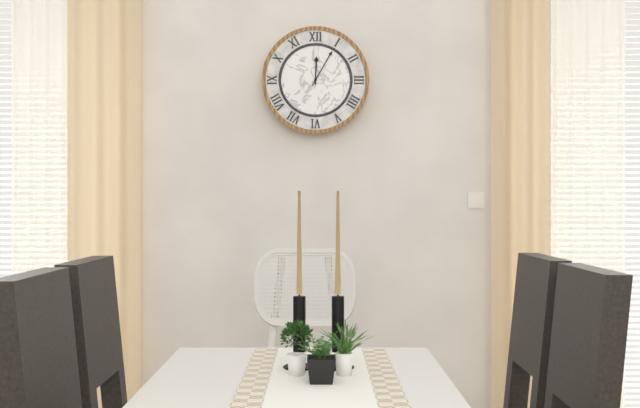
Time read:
12 h 05 min
